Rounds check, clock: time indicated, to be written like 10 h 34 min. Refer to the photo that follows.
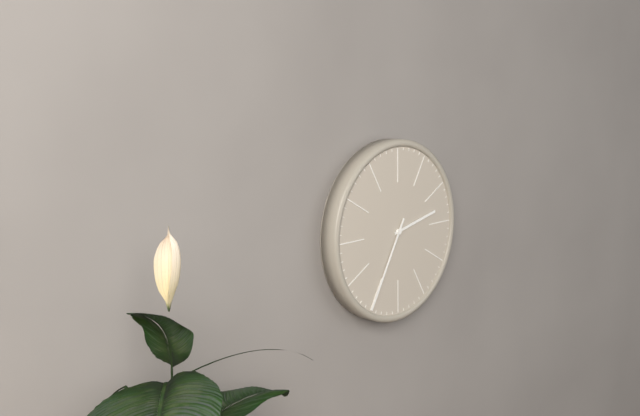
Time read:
2 h 35 min
